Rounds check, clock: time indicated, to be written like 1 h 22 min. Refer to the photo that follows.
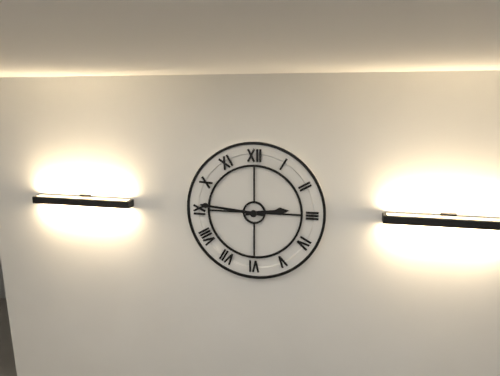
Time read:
2 h 46 min
